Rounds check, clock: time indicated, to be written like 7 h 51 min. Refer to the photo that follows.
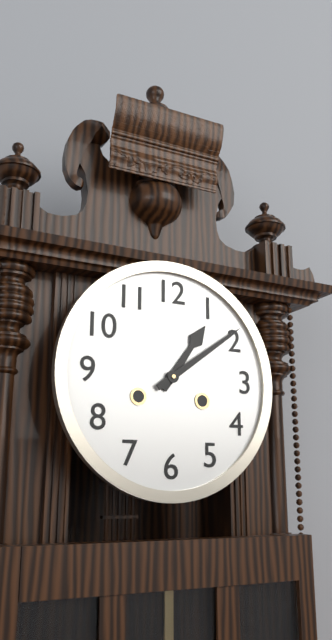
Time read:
1 h 09 min
